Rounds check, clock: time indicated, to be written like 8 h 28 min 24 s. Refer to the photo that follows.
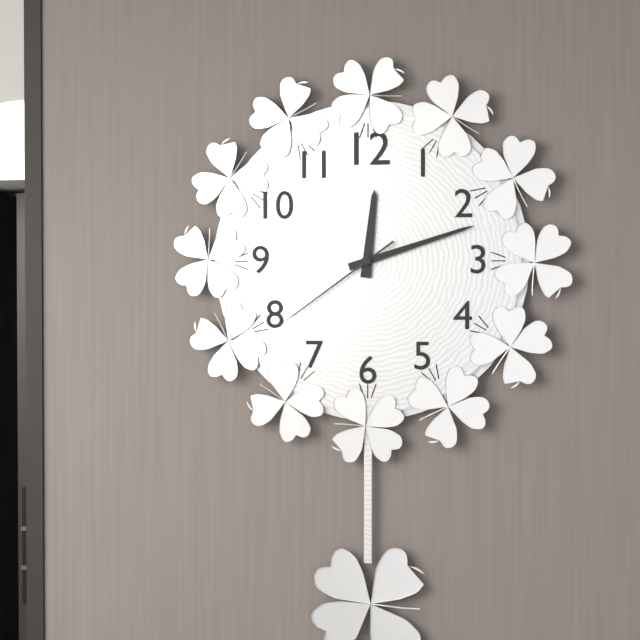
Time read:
12 h 12 min 39 s
